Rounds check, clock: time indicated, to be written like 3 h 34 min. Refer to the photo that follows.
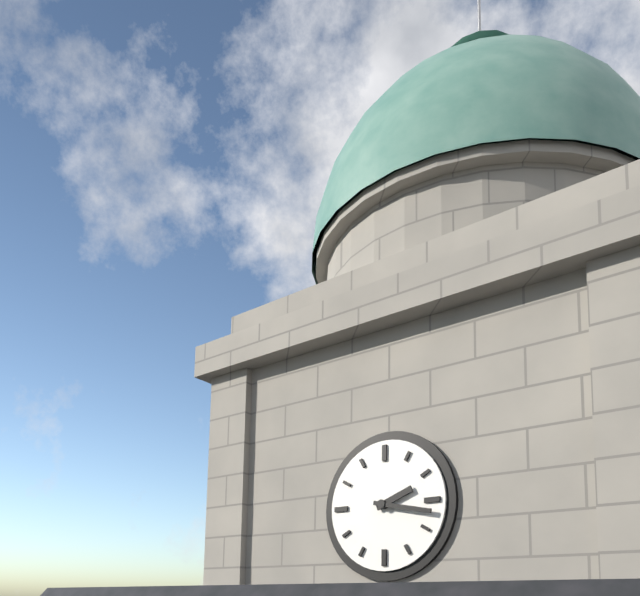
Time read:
2 h 17 min
